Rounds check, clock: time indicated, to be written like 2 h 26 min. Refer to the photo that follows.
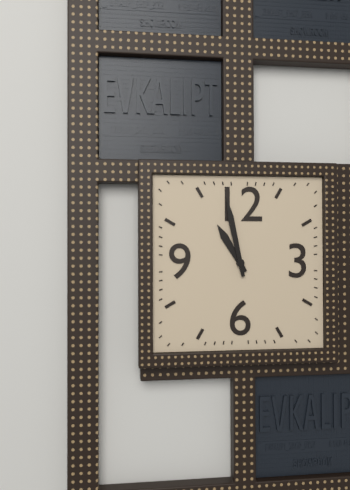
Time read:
10 h 58 min
